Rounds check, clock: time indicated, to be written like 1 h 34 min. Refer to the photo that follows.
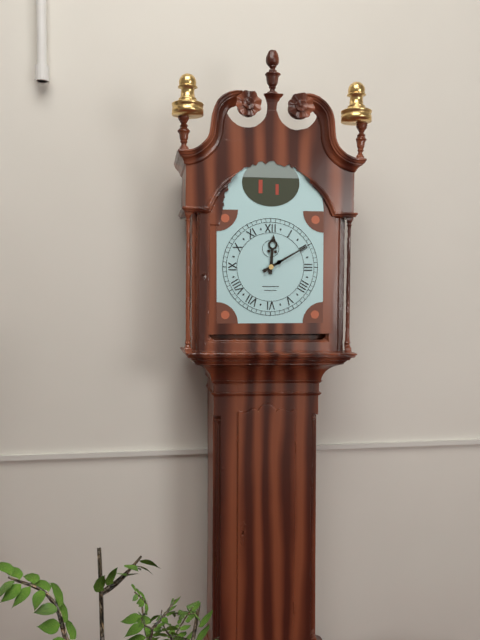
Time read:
12 h 10 min
